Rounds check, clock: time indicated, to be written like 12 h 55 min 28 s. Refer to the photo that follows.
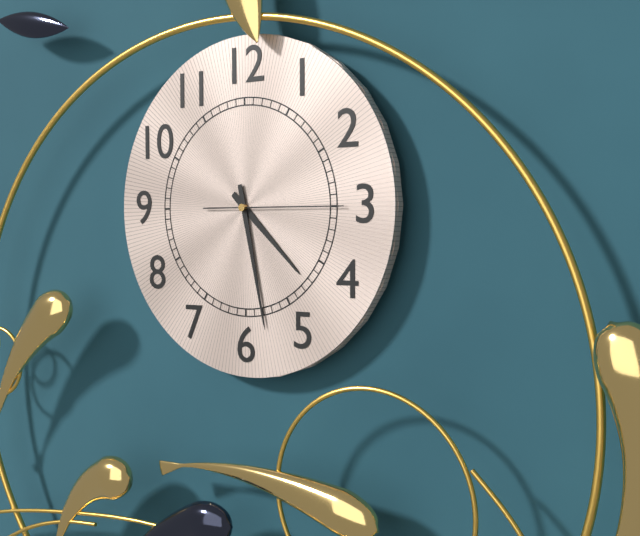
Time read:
4 h 28 min 15 s
